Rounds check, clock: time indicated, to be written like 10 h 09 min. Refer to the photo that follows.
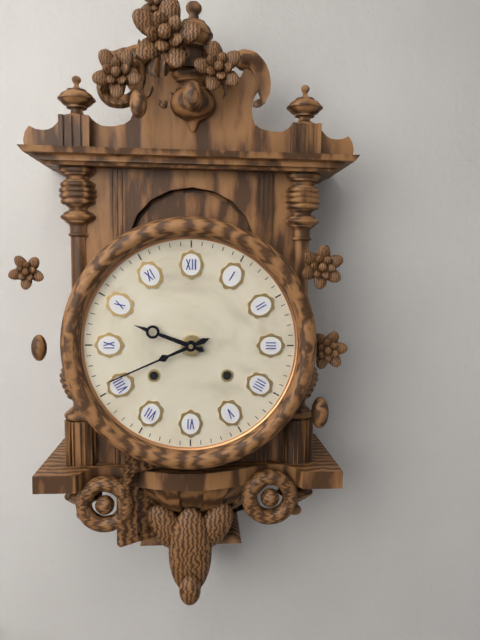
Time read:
9 h 41 min
